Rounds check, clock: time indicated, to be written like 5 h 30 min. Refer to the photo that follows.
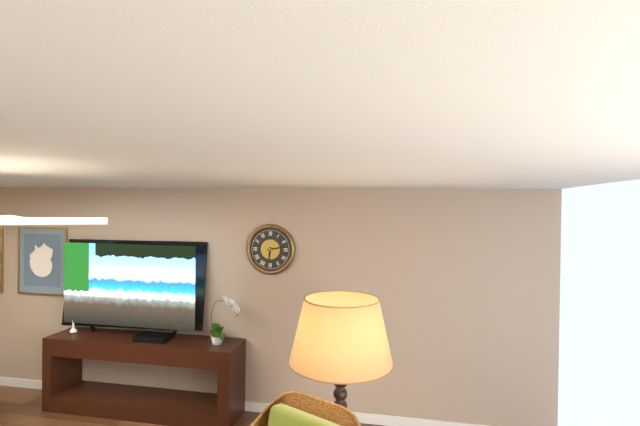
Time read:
6 h 13 min
